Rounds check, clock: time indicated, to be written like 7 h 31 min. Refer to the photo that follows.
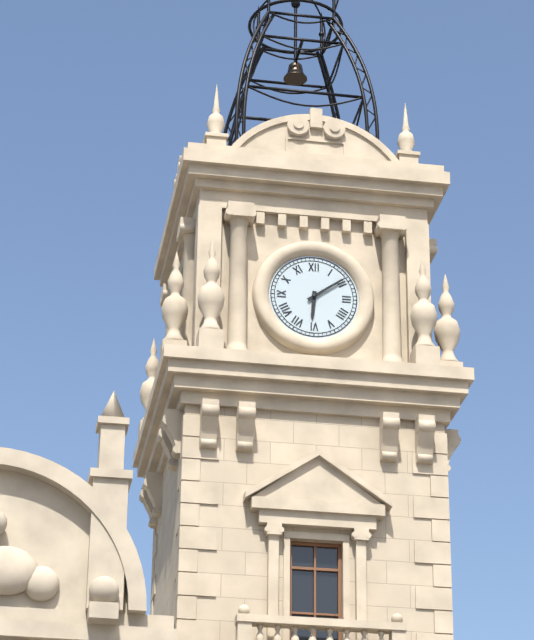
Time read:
6 h 09 min
